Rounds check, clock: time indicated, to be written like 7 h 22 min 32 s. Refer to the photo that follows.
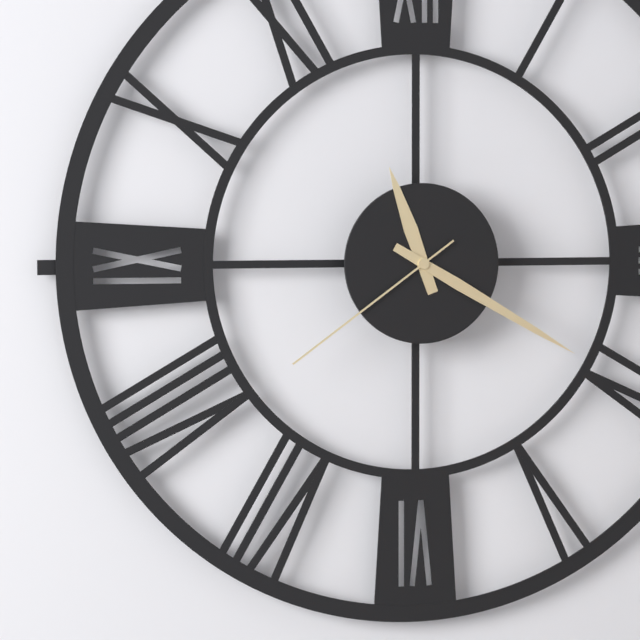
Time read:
11 h 20 min 39 s
